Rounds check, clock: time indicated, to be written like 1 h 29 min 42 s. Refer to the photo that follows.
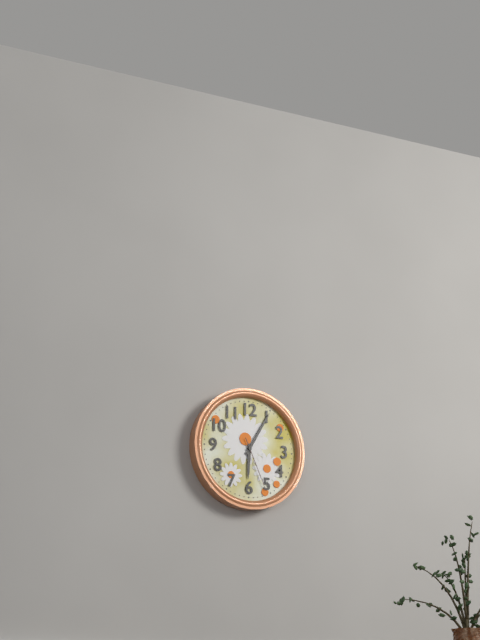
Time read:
6 h 05 min 26 s
